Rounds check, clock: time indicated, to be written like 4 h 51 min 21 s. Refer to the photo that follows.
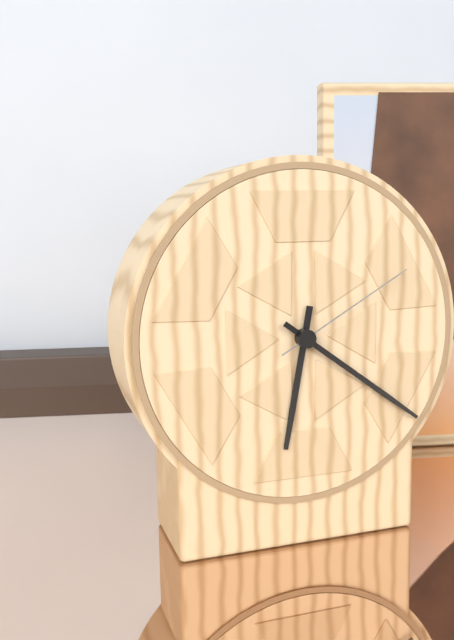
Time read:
6 h 21 min 10 s
